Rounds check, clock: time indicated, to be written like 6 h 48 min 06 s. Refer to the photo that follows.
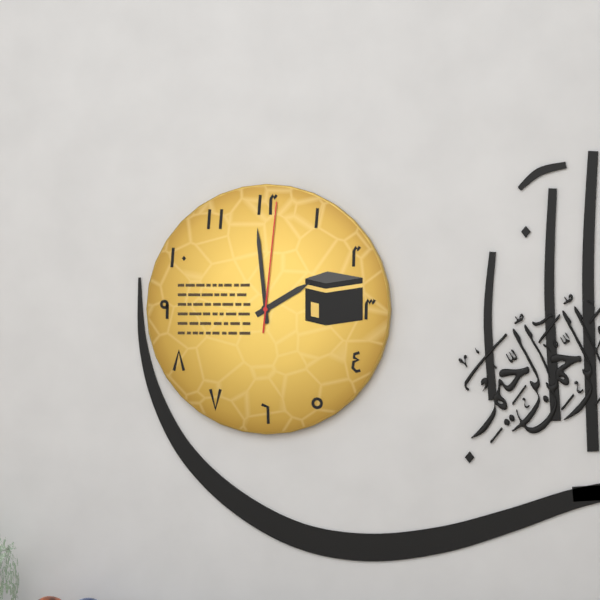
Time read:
1 h 59 min 01 s
